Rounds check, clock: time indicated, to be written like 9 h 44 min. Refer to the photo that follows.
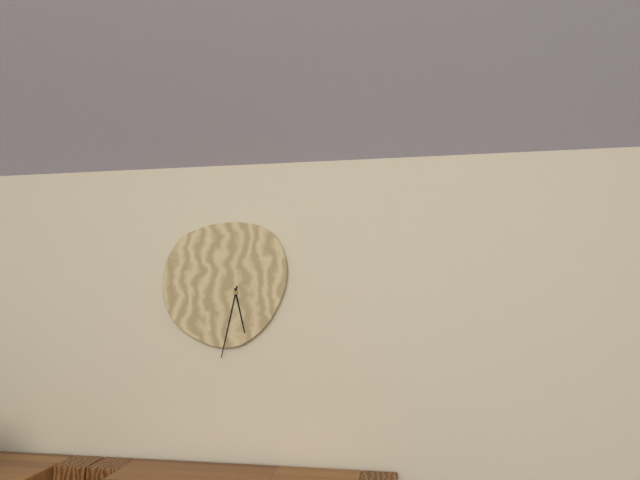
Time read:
5 h 32 min
